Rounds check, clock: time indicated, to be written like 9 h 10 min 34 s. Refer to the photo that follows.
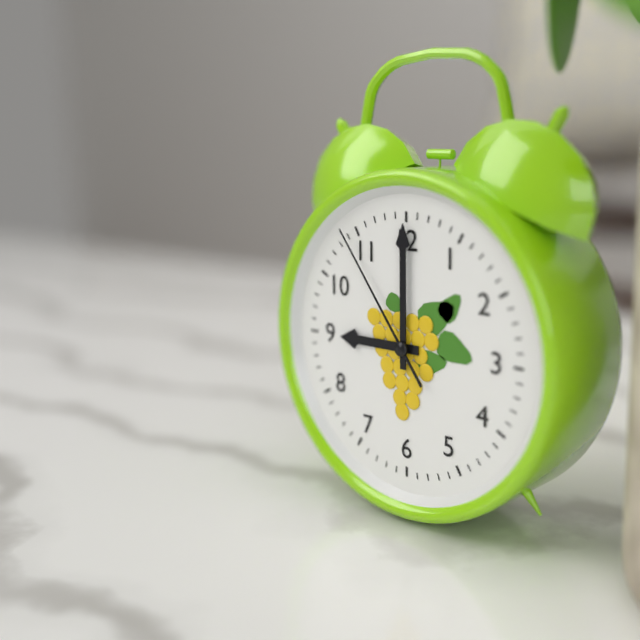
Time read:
9 h 00 min 54 s
